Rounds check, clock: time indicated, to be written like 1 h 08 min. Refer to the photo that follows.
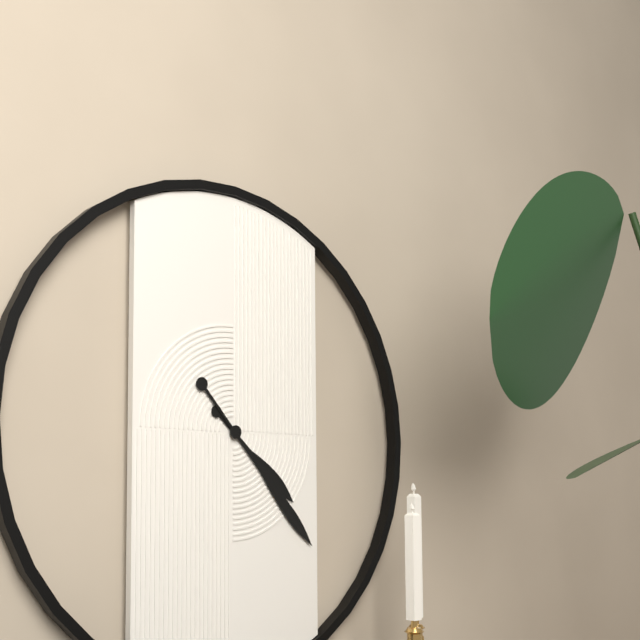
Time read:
4 h 23 min
